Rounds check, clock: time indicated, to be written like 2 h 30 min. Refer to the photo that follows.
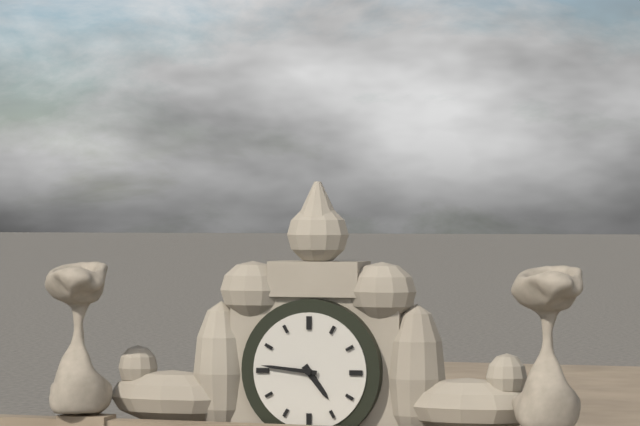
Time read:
4 h 46 min
